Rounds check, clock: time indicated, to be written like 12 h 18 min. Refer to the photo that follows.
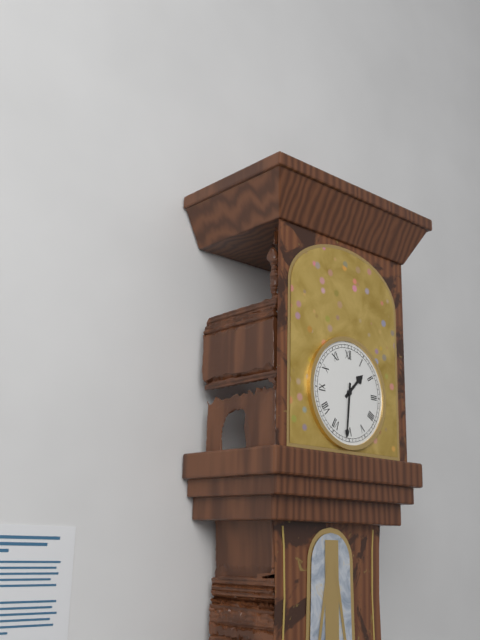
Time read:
1 h 31 min
